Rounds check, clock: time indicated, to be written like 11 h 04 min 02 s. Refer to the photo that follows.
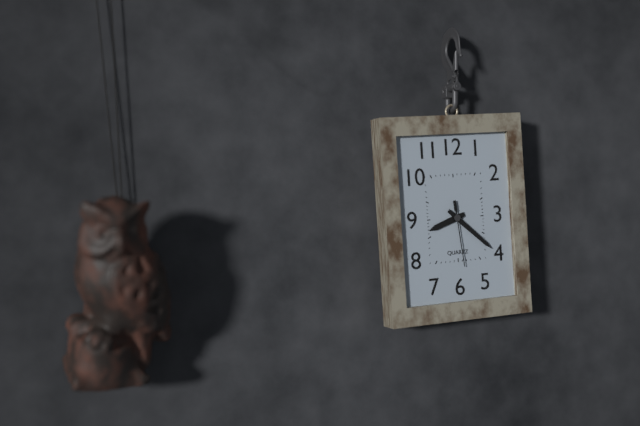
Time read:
8 h 22 min 29 s
